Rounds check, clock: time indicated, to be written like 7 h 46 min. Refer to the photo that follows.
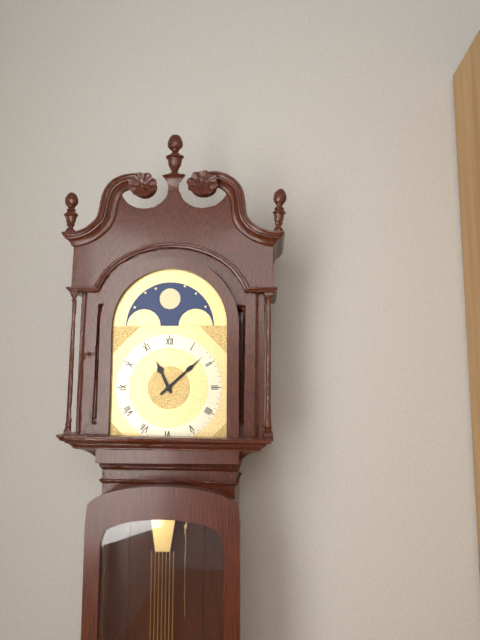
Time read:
11 h 08 min
